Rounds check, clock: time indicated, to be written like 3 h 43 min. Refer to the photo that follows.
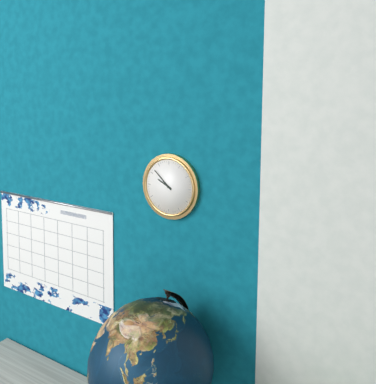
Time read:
9 h 52 min
